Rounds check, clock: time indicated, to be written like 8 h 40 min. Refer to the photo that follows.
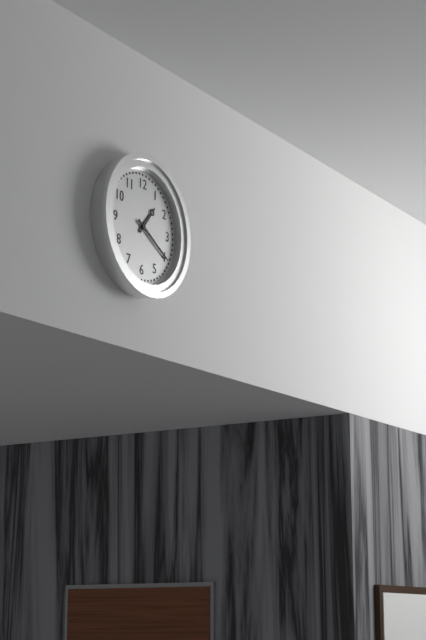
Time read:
1 h 20 min
